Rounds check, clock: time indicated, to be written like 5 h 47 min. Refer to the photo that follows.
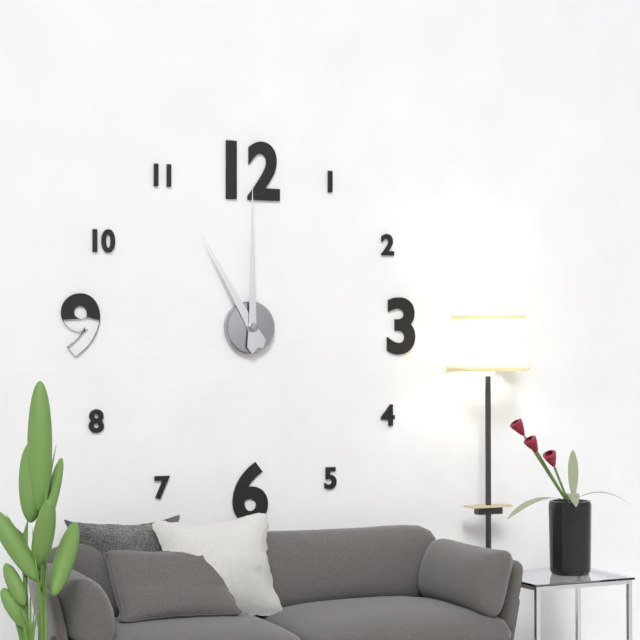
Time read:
11 h 00 min
